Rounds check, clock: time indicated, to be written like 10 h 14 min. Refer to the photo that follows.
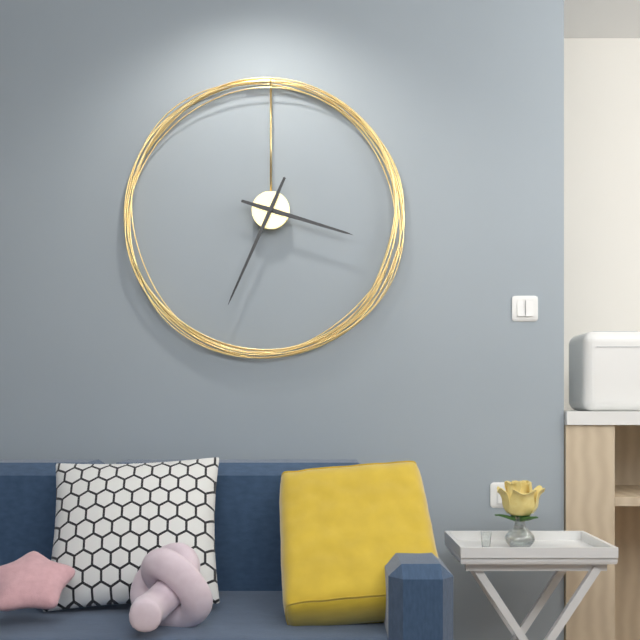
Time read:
3 h 34 min
